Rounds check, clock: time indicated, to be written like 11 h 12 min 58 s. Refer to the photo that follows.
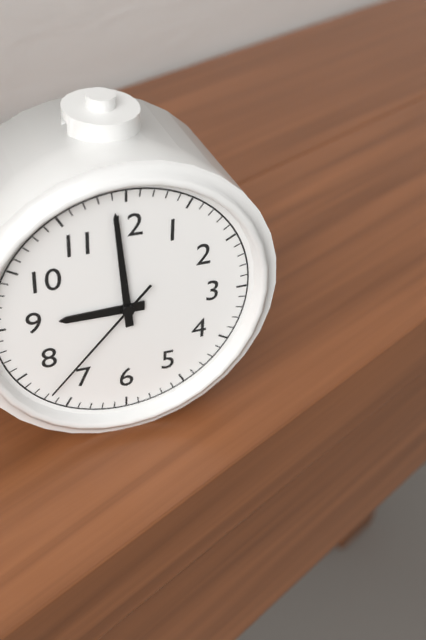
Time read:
8 h 59 min 37 s
